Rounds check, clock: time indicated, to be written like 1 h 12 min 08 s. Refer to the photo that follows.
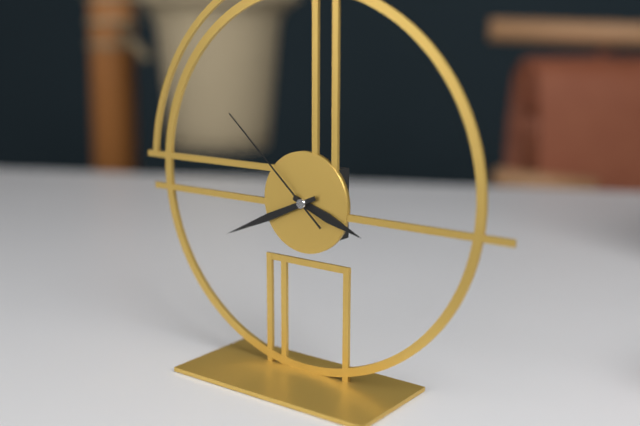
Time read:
3 h 41 min 52 s
